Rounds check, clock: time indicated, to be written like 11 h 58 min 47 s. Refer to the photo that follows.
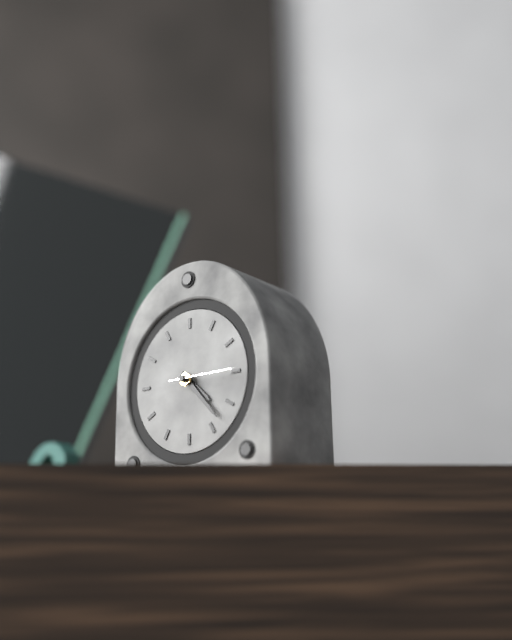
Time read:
4 h 23 min 15 s
